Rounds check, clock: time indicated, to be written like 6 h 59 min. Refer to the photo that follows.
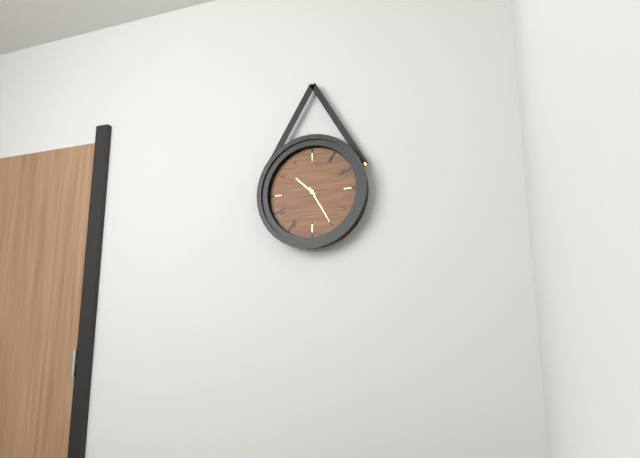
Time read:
10 h 25 min
